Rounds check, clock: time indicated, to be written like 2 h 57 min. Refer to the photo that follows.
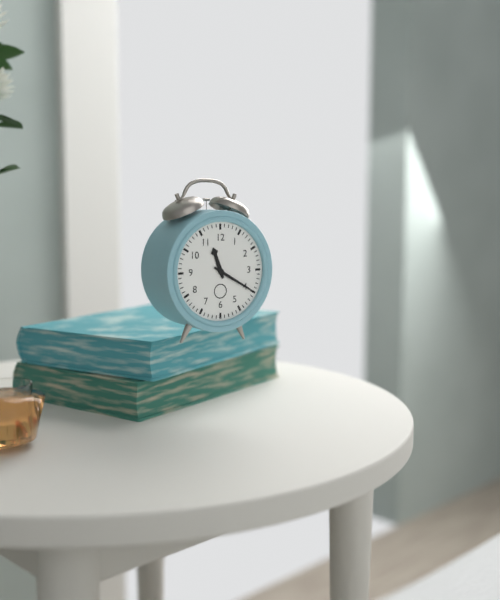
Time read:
11 h 20 min
